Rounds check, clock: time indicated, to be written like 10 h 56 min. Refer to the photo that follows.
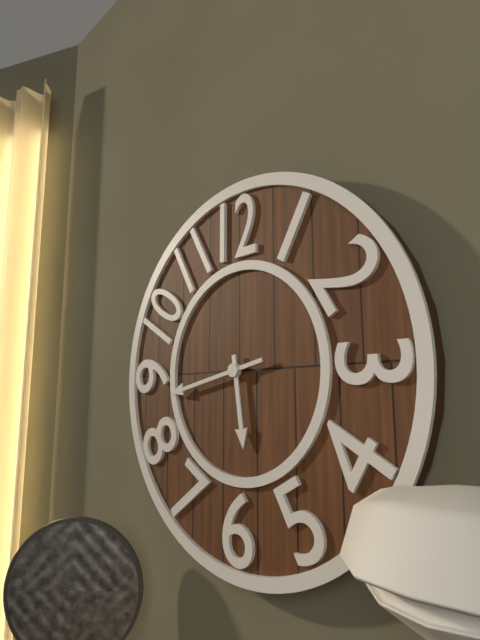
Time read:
5 h 43 min
